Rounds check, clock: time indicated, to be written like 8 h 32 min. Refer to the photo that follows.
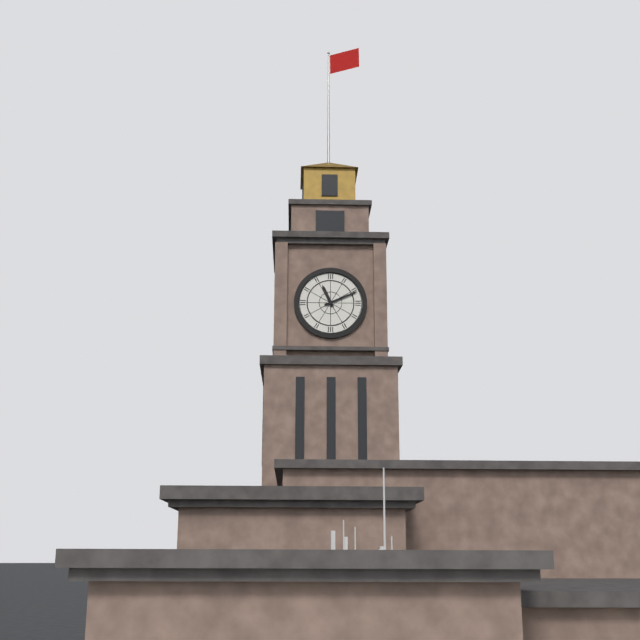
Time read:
11 h 11 min
